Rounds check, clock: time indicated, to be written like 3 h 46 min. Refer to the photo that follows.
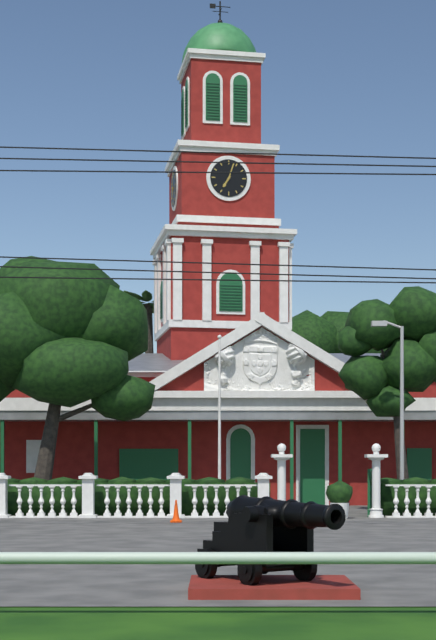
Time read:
7 h 03 min
